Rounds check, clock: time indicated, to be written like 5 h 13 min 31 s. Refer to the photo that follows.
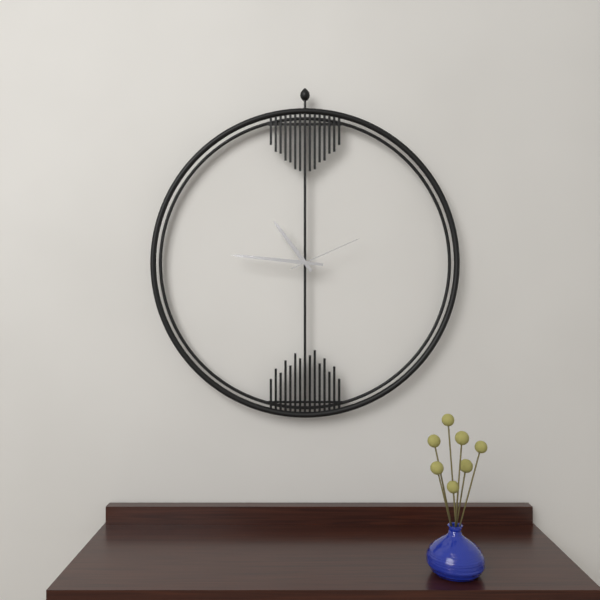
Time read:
10 h 46 min 11 s
